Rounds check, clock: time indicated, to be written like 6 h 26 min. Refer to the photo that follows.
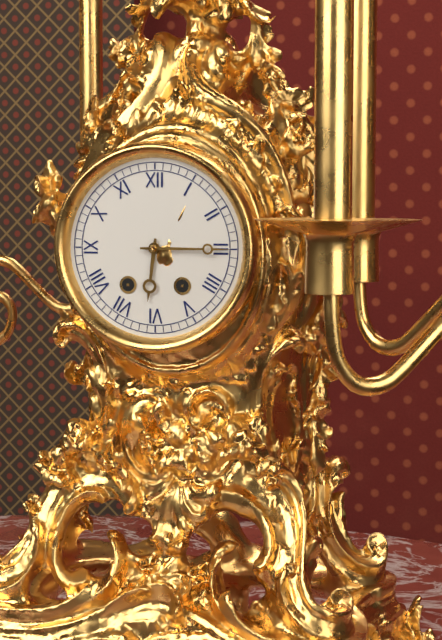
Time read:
6 h 15 min
